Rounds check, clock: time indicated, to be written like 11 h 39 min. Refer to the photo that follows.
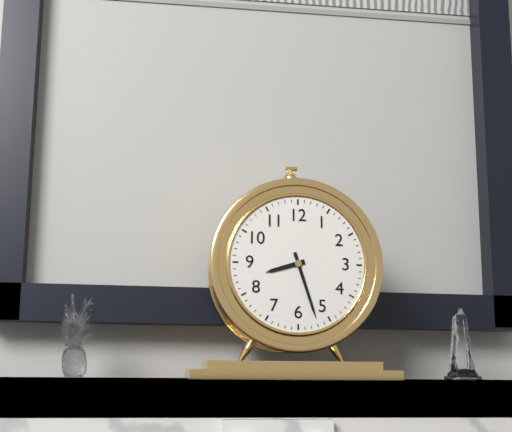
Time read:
8 h 27 min
